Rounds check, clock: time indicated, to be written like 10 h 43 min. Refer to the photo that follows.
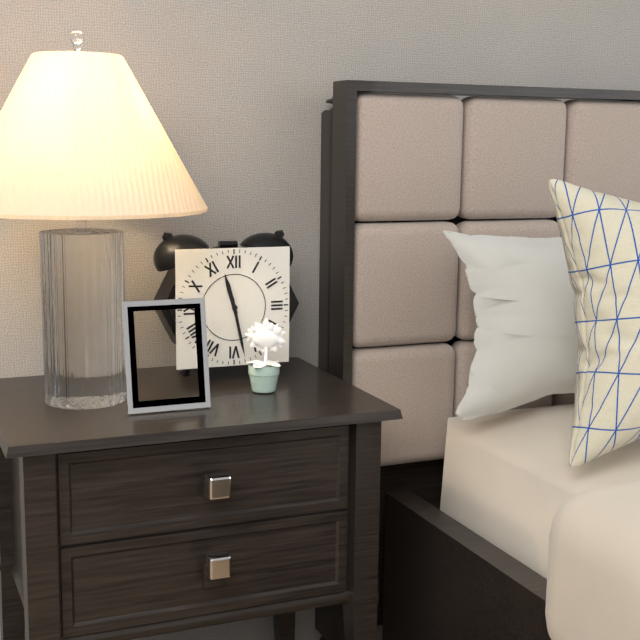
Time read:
11 h 28 min
